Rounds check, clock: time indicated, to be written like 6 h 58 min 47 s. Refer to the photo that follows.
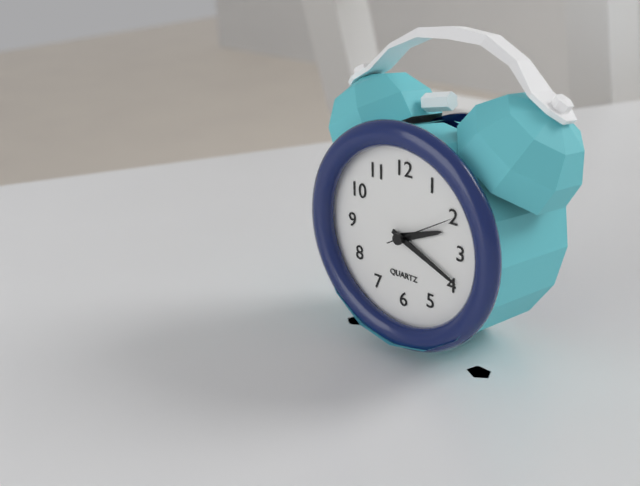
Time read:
2 h 19 min 10 s
